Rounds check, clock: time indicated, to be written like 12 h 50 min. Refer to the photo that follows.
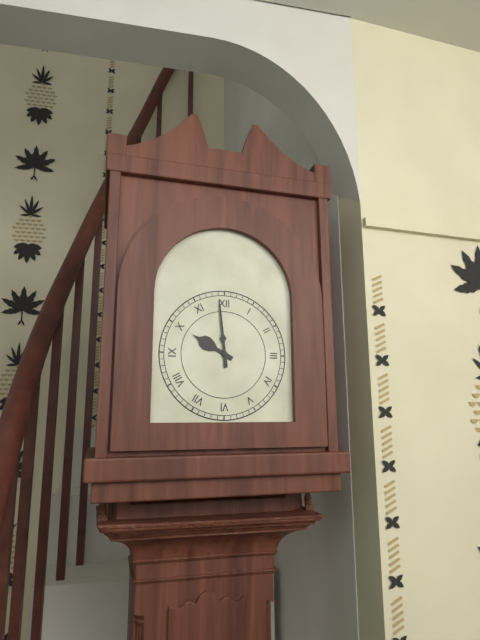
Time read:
9 h 59 min
